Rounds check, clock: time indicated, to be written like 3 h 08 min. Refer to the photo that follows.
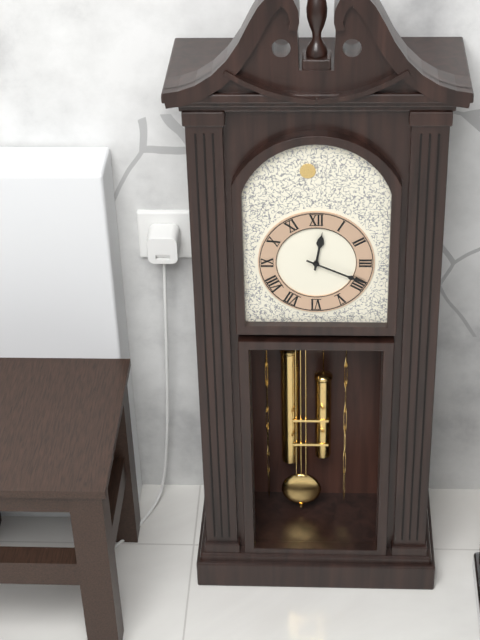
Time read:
12 h 19 min
